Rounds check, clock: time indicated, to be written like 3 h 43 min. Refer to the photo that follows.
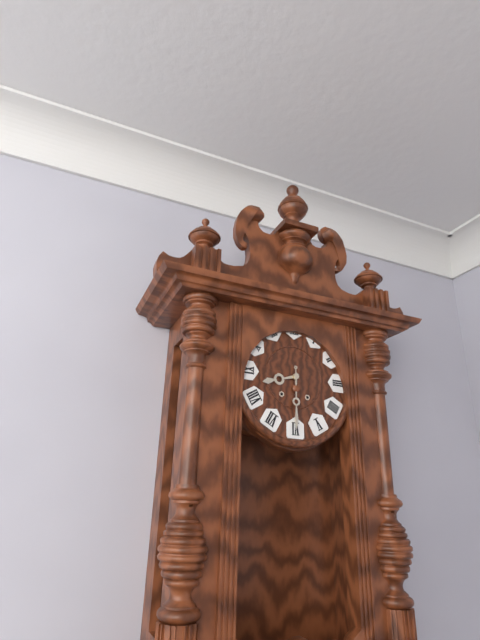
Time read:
8 h 30 min
